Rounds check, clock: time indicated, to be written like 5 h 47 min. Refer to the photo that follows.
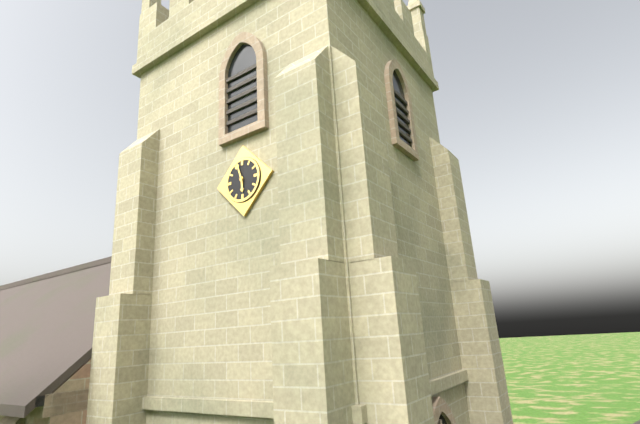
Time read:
5 h 57 min
